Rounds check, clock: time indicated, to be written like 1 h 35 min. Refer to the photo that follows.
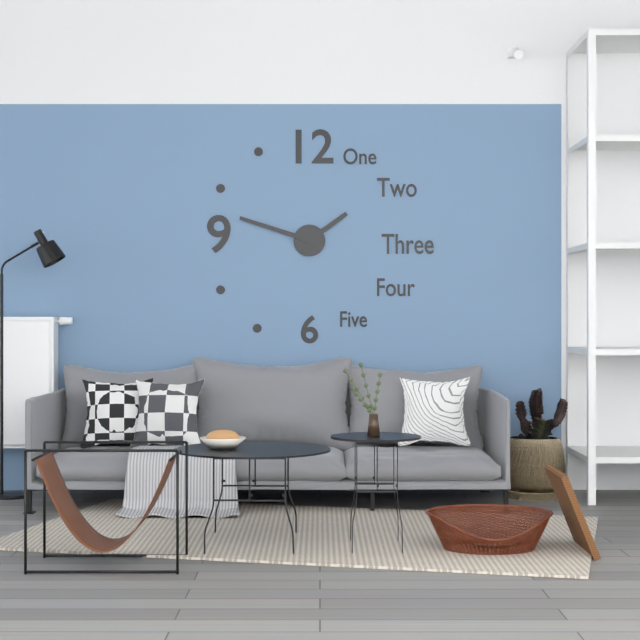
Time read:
1 h 48 min
